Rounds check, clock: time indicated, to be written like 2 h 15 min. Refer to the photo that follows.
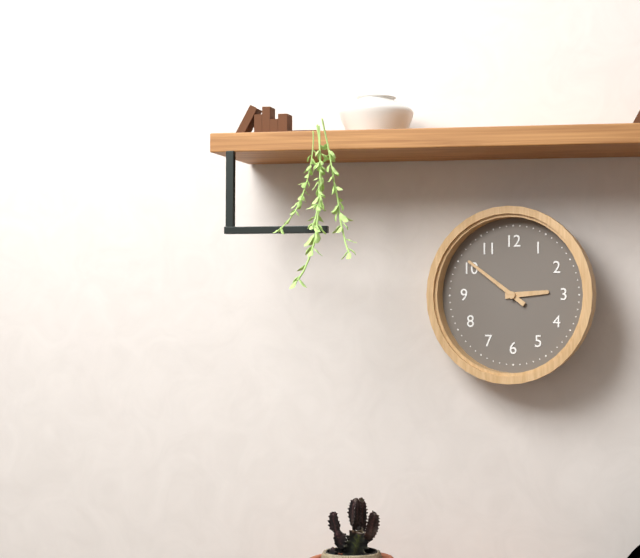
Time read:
2 h 51 min
